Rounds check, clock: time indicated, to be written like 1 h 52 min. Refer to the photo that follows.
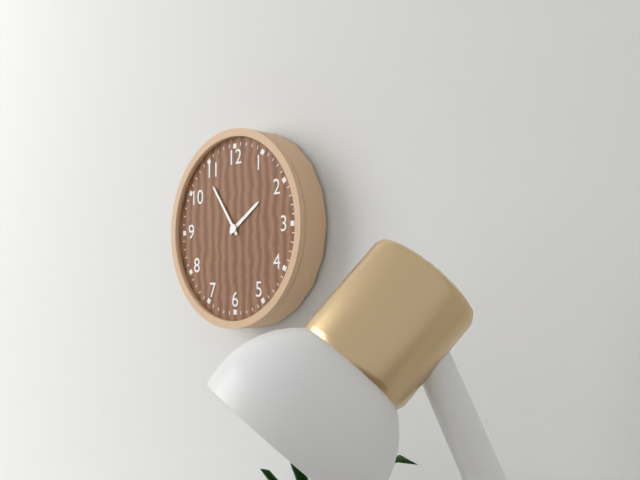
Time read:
1 h 54 min
